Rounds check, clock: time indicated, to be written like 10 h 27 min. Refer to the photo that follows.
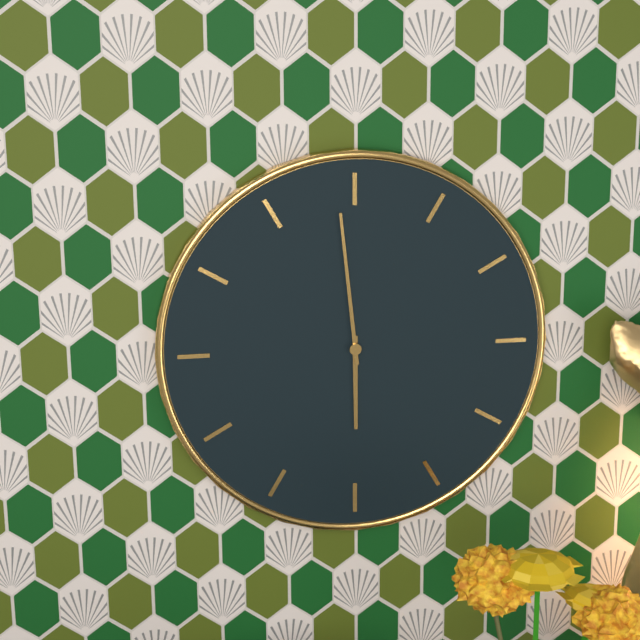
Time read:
5 h 59 min
